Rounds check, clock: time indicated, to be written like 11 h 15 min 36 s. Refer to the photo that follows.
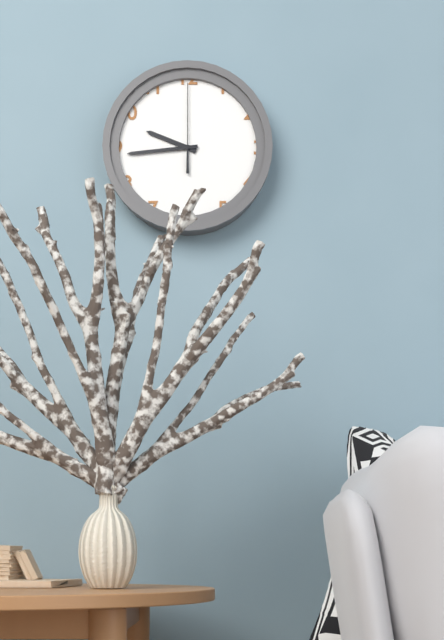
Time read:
9 h 44 min 00 s
